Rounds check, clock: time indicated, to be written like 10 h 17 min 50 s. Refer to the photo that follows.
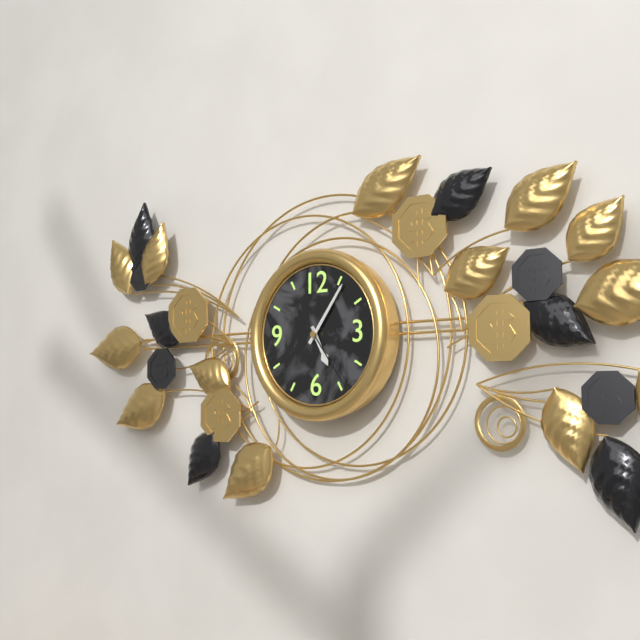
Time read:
5 h 06 min 24 s
